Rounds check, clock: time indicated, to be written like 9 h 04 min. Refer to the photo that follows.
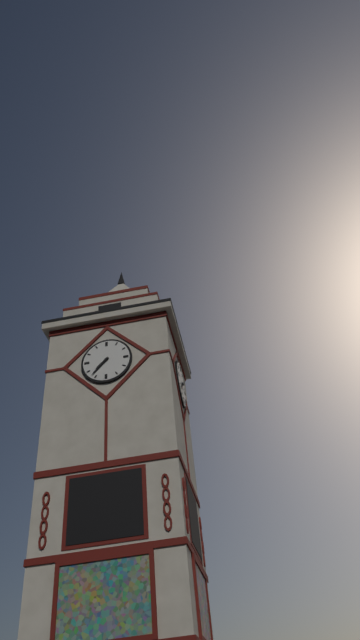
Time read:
7 h 37 min
